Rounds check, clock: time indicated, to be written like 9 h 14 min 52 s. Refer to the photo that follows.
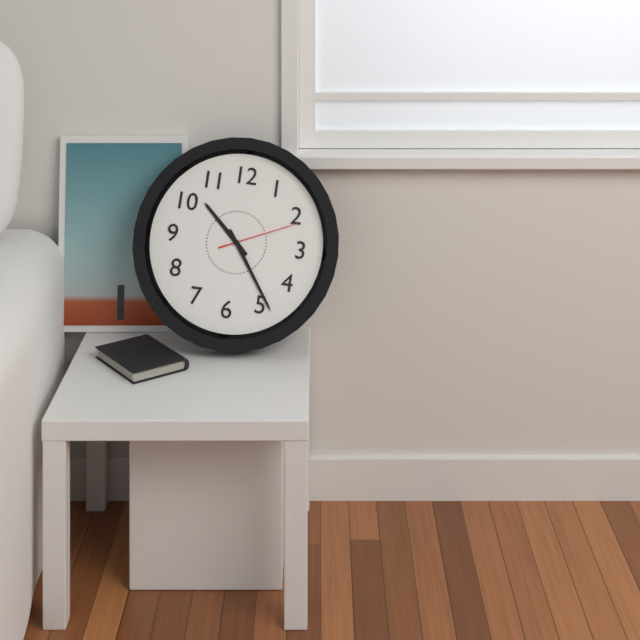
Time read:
10 h 24 min 11 s
